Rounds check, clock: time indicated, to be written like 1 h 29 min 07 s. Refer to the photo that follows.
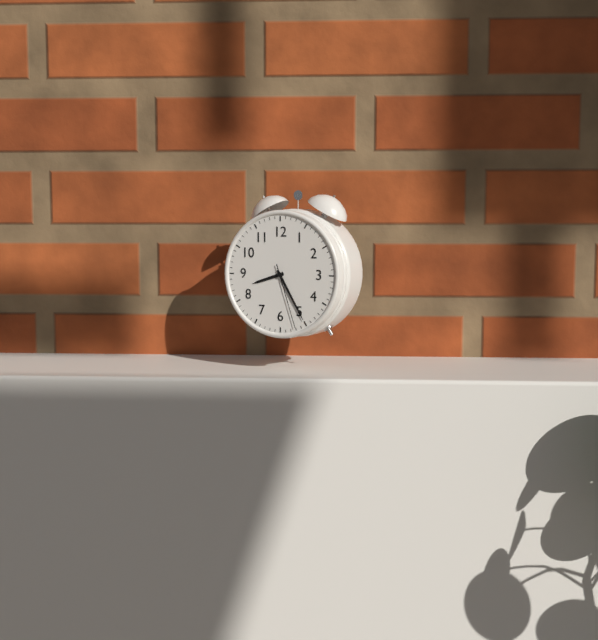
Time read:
8 h 25 min 27 s
